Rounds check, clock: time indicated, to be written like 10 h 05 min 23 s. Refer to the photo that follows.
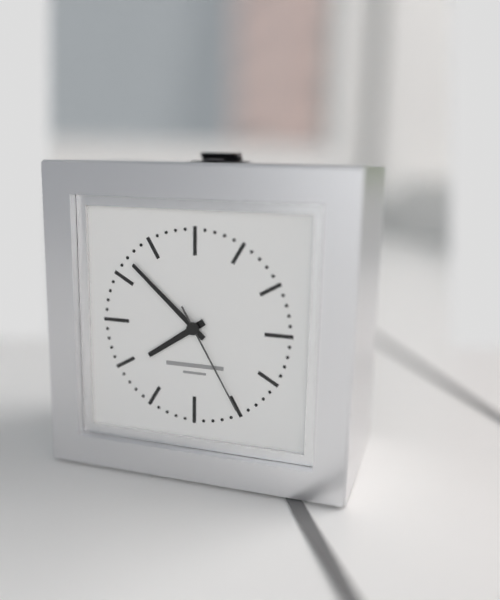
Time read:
7 h 52 min 25 s
